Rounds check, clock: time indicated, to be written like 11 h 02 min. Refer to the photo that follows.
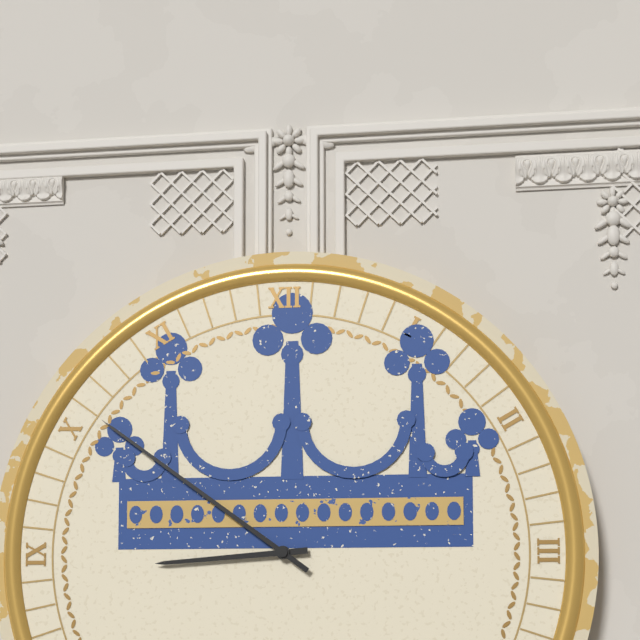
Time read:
8 h 51 min
